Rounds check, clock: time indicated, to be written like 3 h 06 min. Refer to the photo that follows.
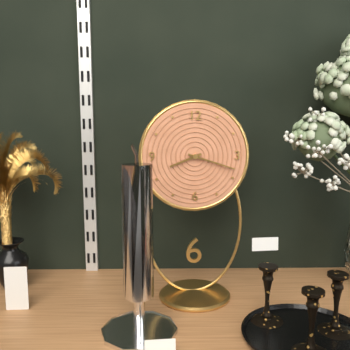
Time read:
8 h 18 min
